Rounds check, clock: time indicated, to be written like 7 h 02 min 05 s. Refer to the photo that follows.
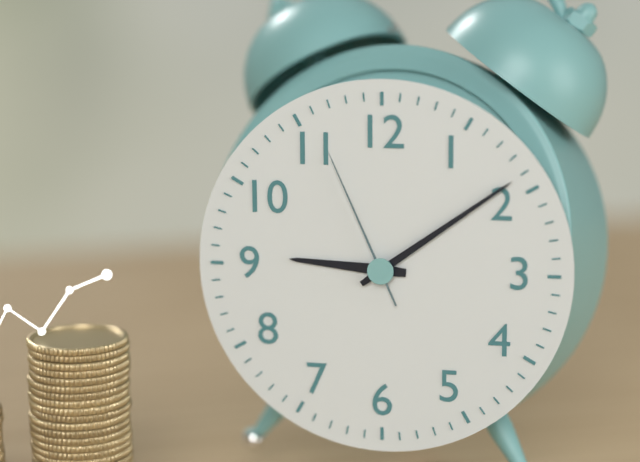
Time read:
9 h 09 min 56 s
